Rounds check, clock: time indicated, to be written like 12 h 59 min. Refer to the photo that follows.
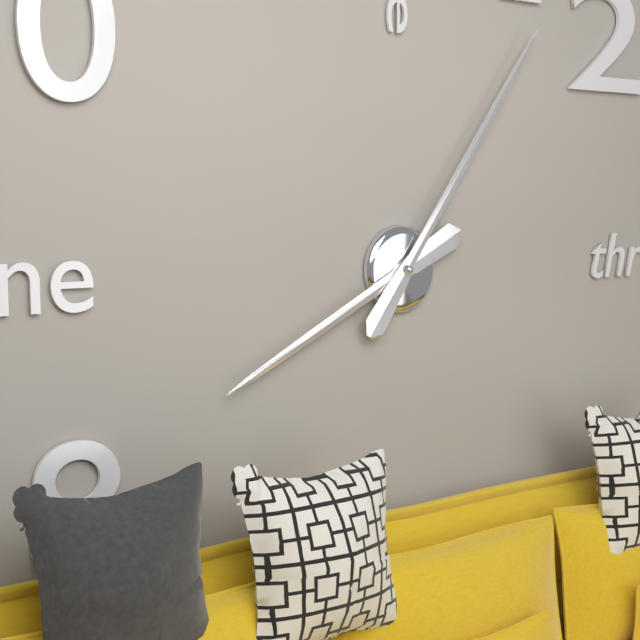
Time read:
8 h 06 min
